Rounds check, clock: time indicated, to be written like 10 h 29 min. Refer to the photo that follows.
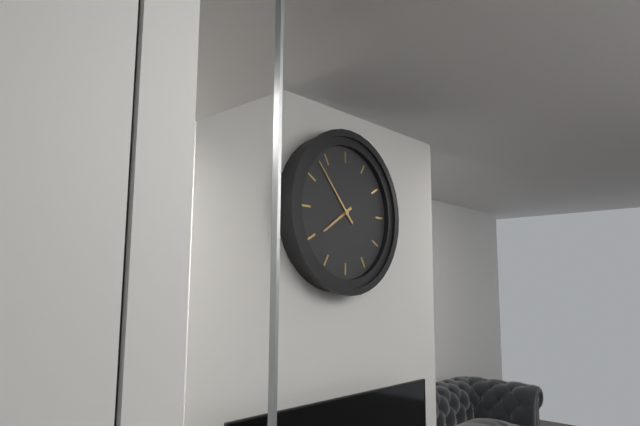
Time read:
7 h 53 min
